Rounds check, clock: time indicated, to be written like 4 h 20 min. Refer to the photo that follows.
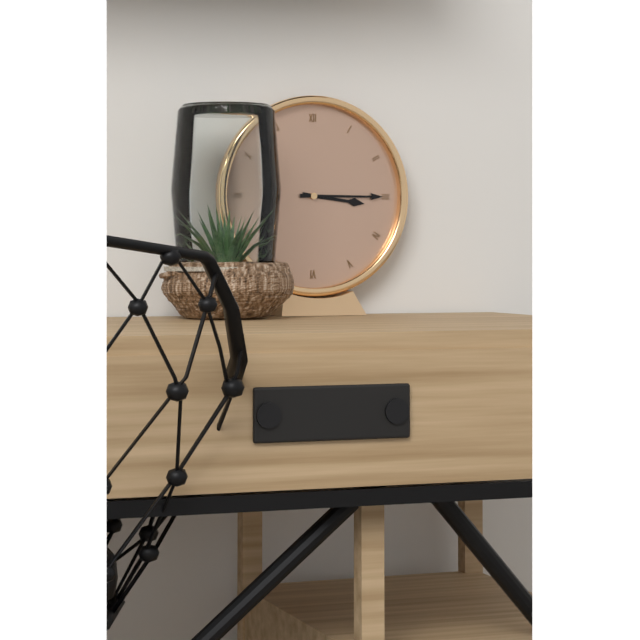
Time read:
3 h 15 min
